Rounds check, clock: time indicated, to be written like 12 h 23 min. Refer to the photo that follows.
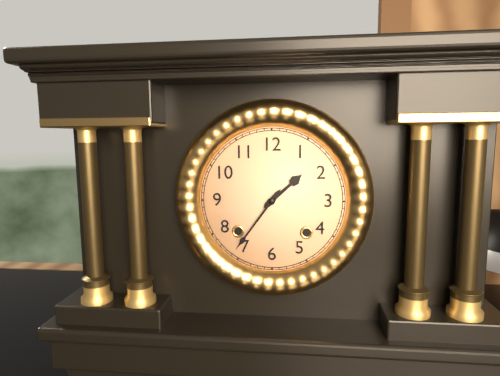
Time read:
1 h 36 min
